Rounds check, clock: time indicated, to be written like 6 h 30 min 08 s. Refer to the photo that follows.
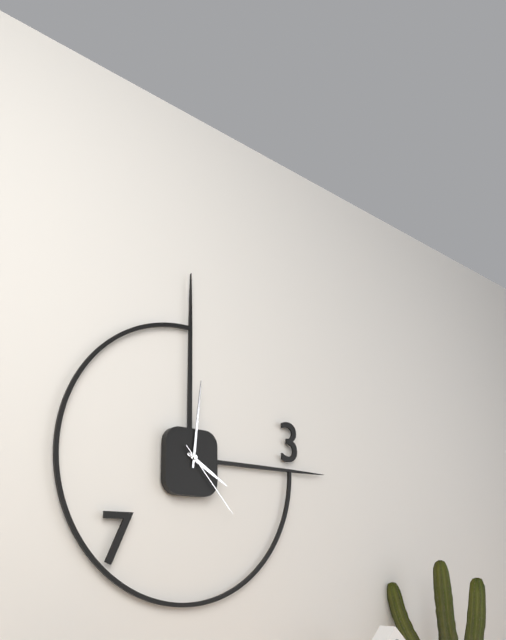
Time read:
4 h 01 min 23 s
